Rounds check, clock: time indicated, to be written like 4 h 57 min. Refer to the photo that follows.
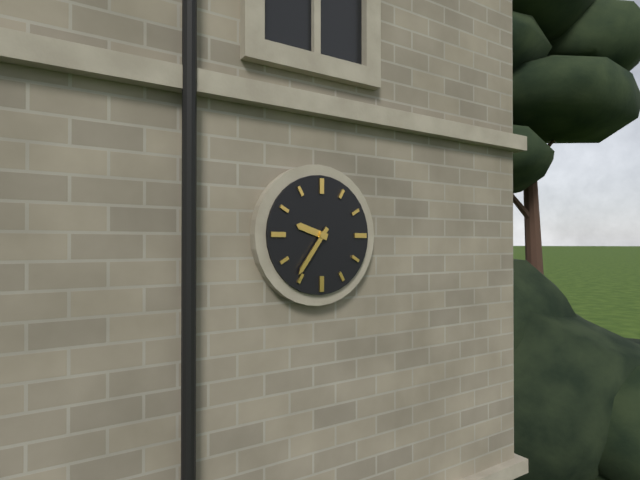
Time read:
9 h 36 min
